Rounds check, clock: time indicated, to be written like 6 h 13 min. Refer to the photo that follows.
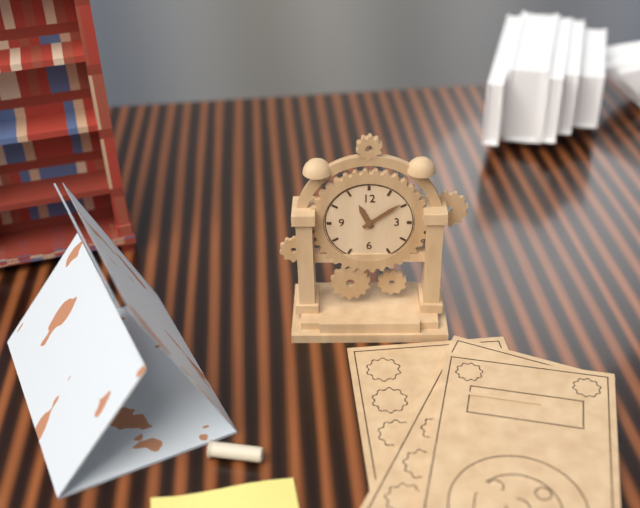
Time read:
11 h 09 min
